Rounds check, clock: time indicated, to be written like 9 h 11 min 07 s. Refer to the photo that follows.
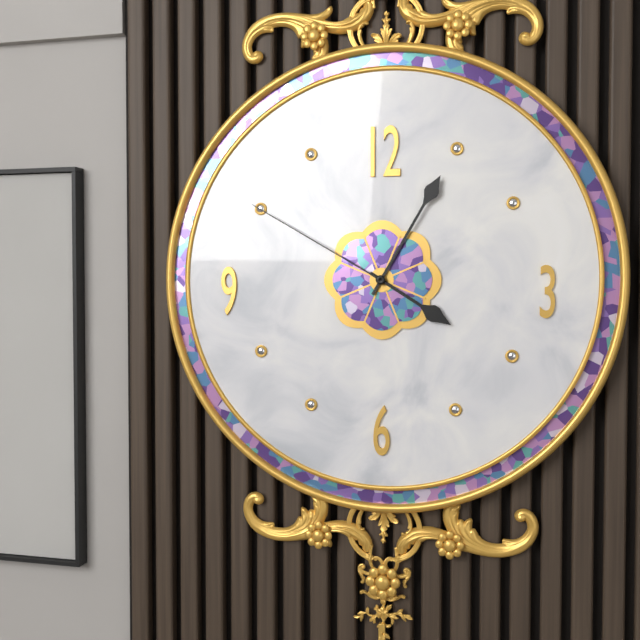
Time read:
4 h 05 min 50 s
